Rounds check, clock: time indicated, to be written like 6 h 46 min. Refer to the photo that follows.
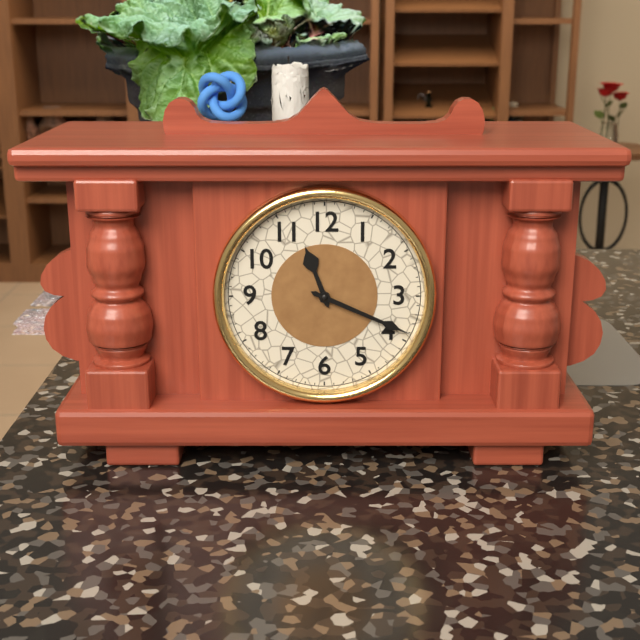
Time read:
11 h 19 min
